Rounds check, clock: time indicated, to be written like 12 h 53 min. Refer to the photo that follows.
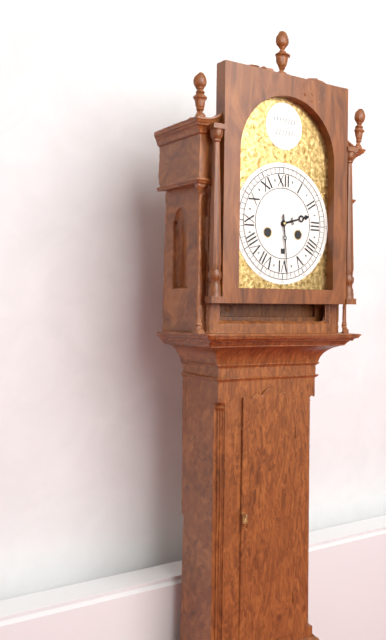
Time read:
2 h 29 min
